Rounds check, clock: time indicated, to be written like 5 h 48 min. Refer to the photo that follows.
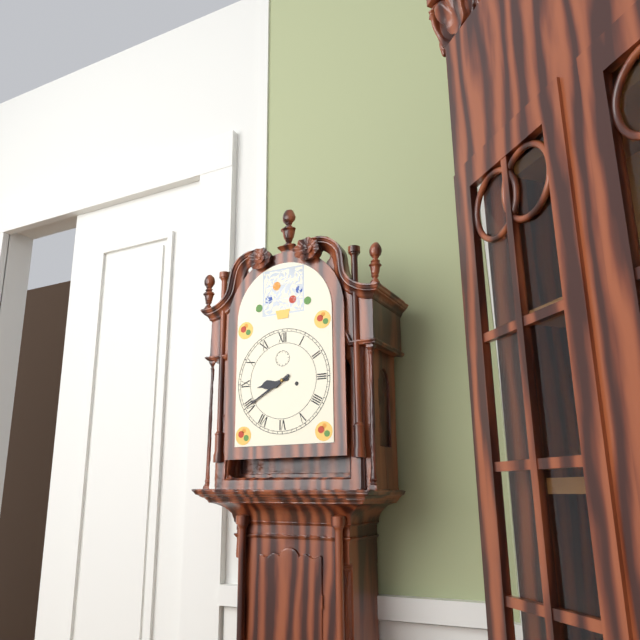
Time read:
8 h 40 min
